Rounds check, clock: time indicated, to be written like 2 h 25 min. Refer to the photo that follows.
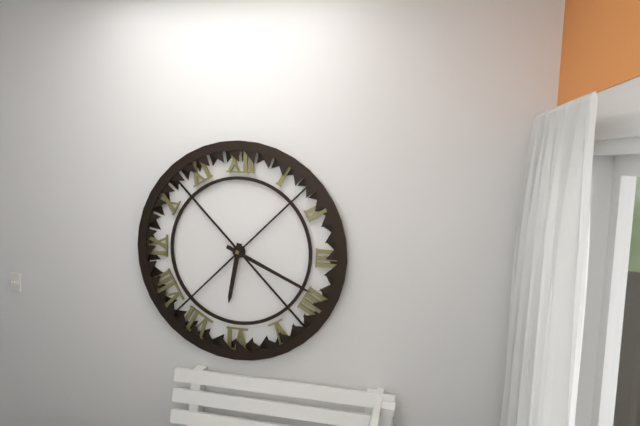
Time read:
6 h 19 min
